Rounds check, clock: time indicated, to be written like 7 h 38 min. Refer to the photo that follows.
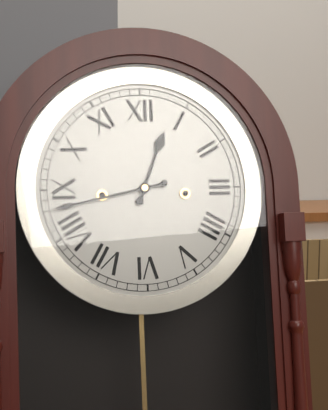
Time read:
12 h 43 min
